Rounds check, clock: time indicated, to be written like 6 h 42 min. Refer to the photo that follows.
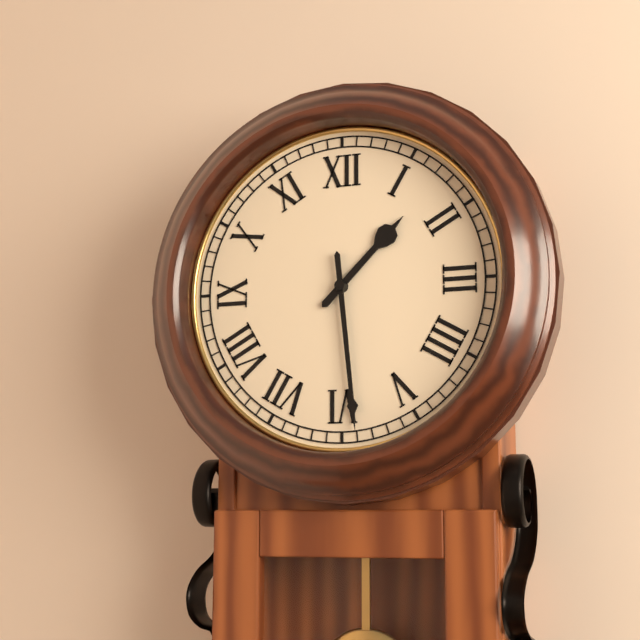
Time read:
1 h 29 min
